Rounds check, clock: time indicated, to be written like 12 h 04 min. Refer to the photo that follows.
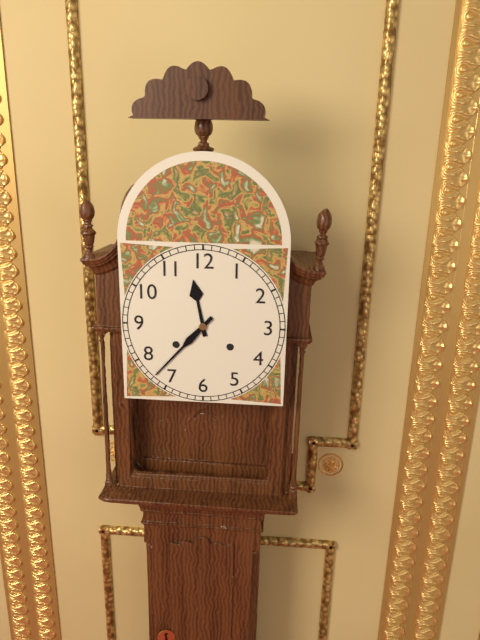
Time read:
11 h 37 min
